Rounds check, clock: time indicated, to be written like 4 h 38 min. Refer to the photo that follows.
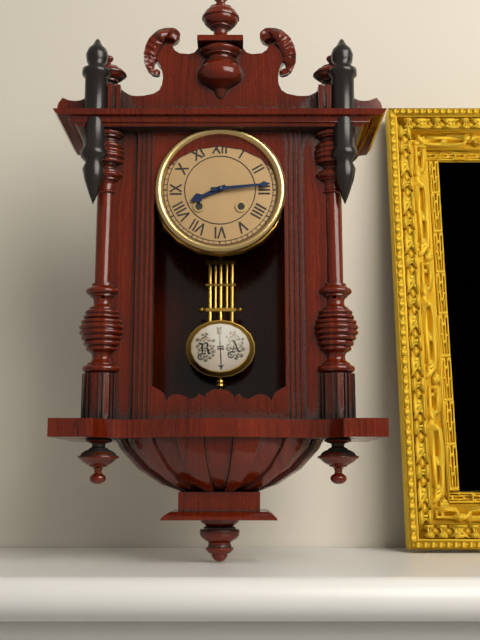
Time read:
8 h 14 min
